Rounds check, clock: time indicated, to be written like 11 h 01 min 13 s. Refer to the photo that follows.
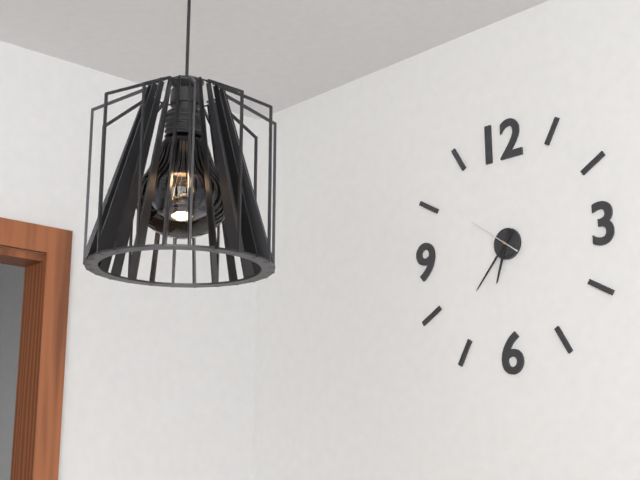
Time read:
6 h 37 min 51 s
